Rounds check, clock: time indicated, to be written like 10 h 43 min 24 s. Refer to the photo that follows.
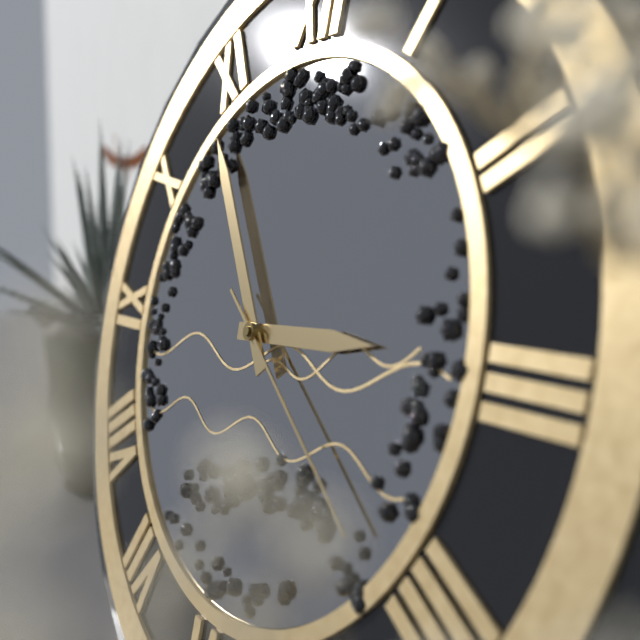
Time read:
2 h 54 min 21 s
